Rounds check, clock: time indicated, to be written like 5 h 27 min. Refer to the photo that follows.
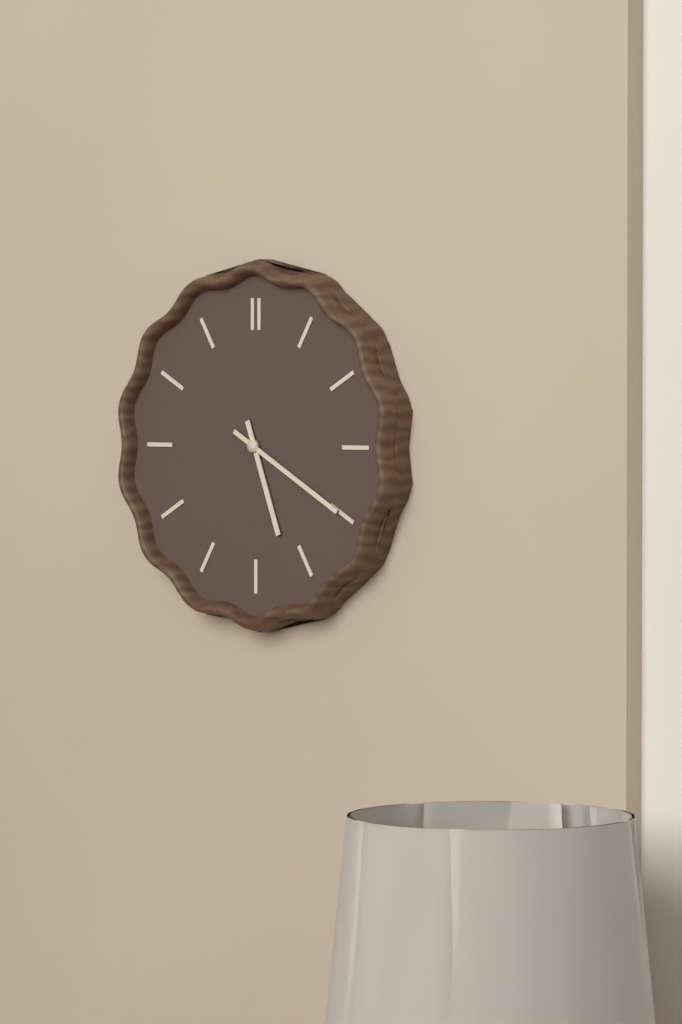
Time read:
5 h 20 min
